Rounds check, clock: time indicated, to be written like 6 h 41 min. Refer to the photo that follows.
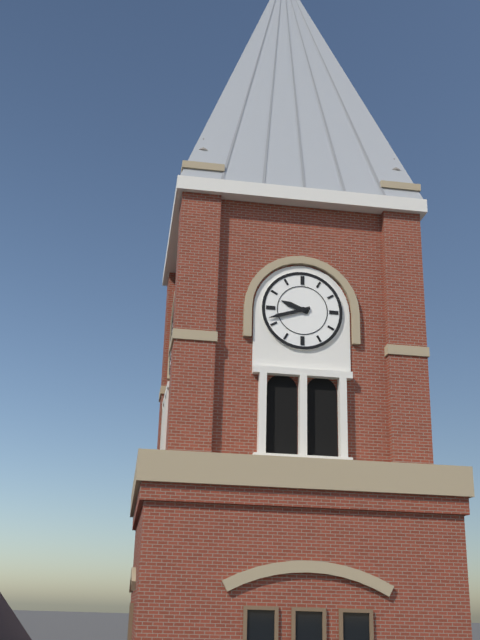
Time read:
9 h 42 min
